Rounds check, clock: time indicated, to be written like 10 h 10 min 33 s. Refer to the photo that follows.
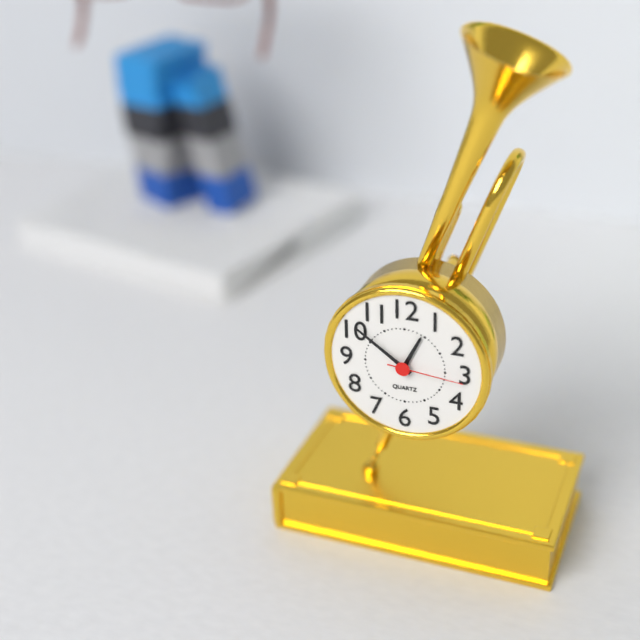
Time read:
12 h 51 min 16 s
